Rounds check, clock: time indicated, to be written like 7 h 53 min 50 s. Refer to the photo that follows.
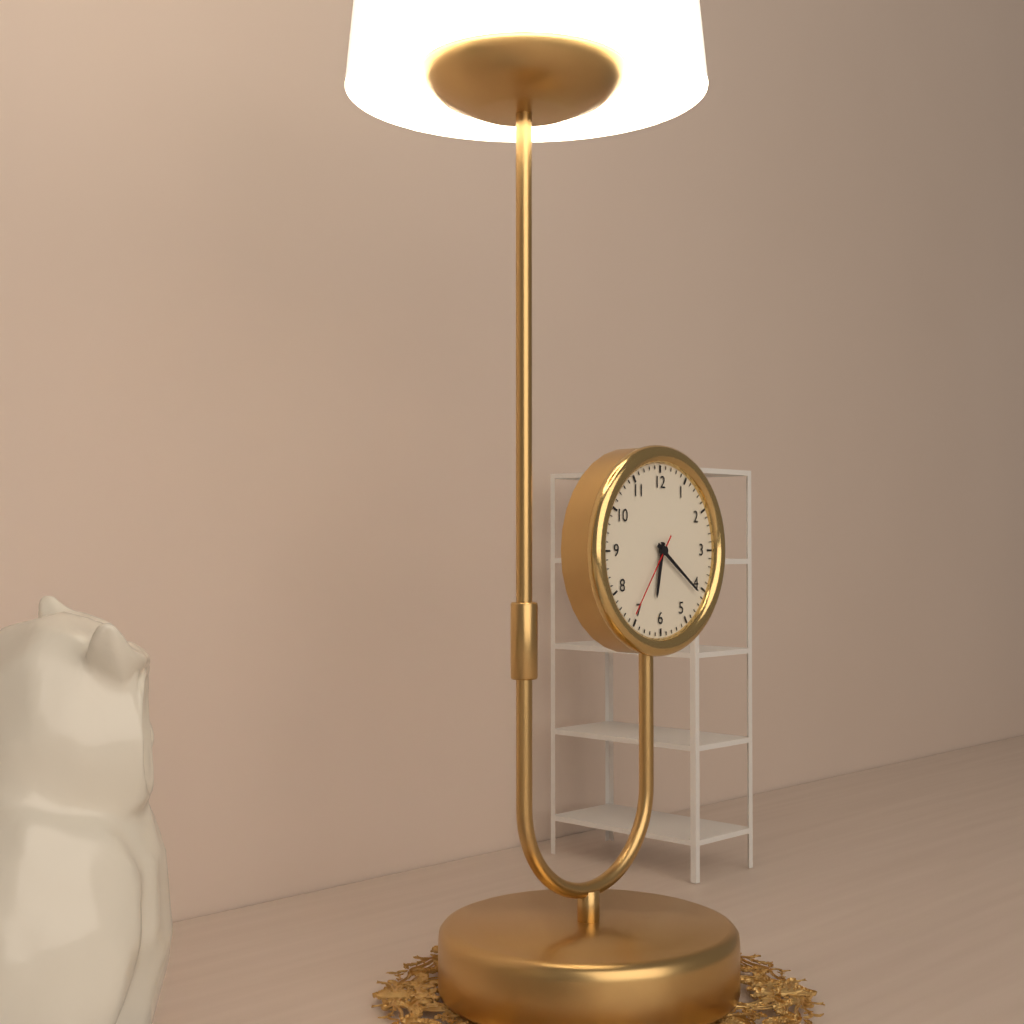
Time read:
6 h 21 min 36 s
